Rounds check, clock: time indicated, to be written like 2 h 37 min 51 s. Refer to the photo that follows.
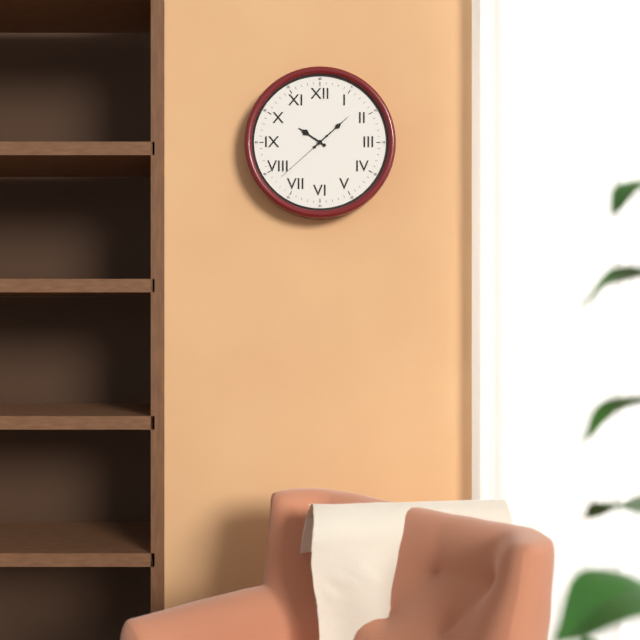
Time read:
10 h 08 min 38 s
